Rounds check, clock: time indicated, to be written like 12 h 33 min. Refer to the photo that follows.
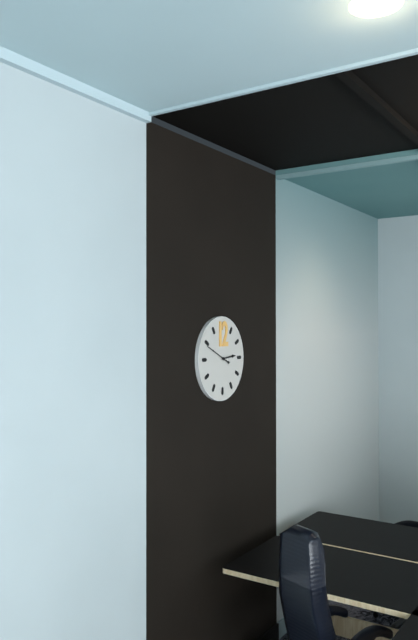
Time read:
2 h 49 min
